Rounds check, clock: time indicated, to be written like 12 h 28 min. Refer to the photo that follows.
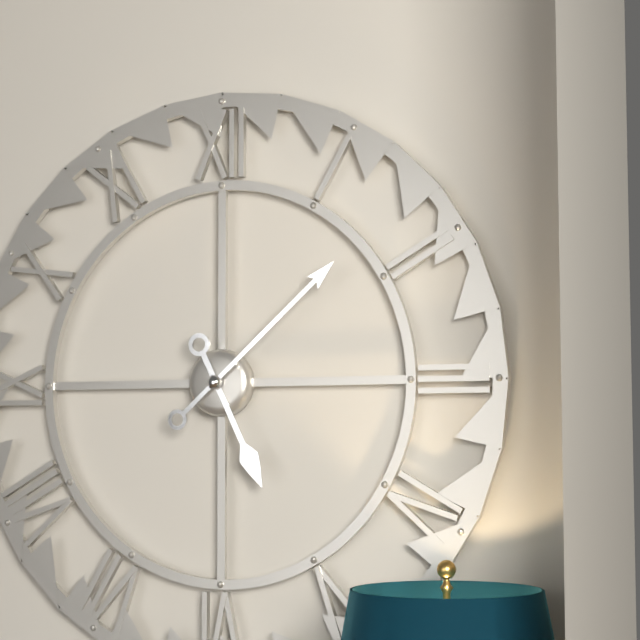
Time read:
5 h 08 min
